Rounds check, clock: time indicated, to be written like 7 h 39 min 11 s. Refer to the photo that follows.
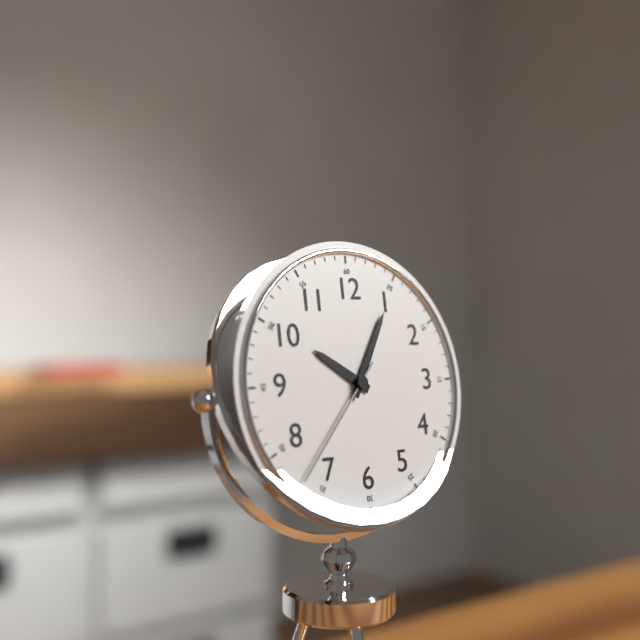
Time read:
10 h 05 min 37 s
